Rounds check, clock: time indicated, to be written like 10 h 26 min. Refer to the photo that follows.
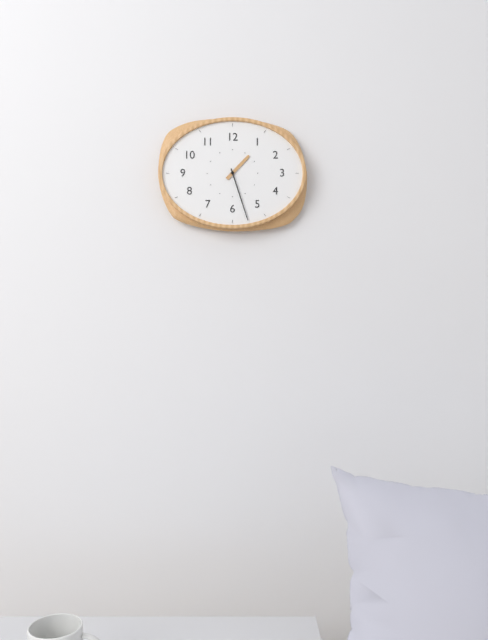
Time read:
1 h 27 min
